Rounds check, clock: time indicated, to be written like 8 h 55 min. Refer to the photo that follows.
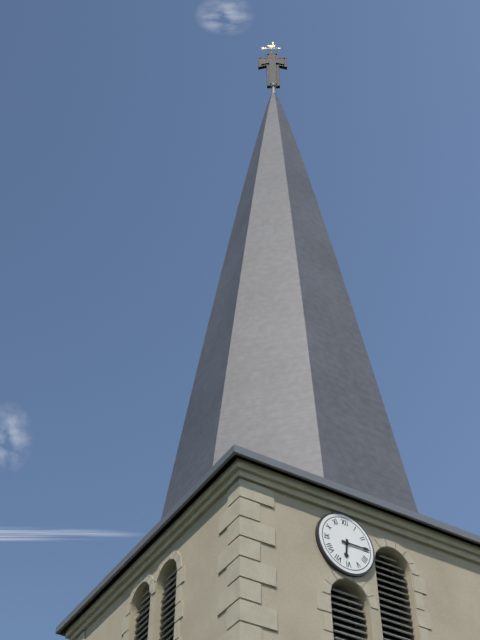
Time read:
6 h 15 min
